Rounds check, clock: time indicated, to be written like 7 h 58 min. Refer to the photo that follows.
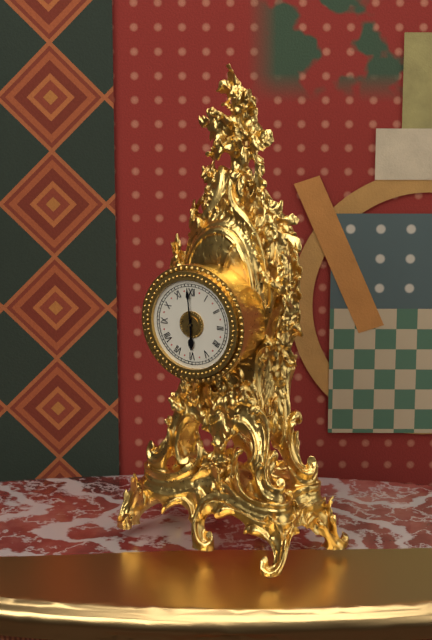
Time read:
5 h 59 min
